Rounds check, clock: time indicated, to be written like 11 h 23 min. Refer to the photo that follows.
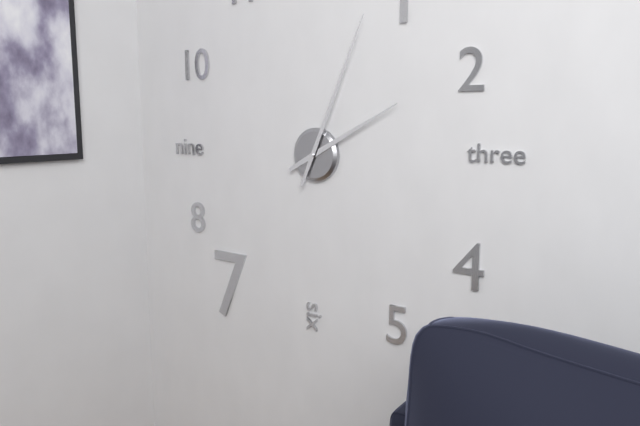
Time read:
2 h 04 min
